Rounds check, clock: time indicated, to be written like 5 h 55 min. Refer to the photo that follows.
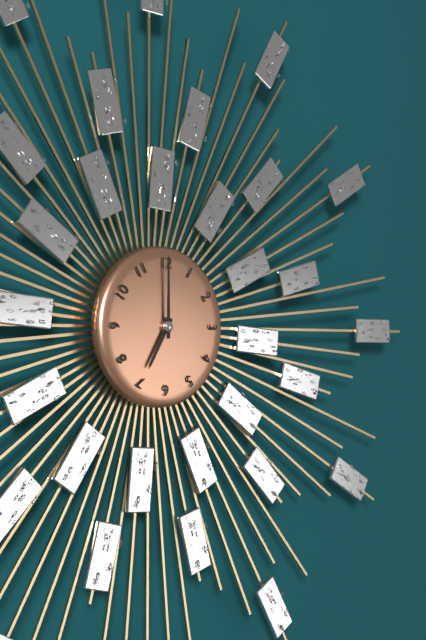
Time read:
7 h 00 min
